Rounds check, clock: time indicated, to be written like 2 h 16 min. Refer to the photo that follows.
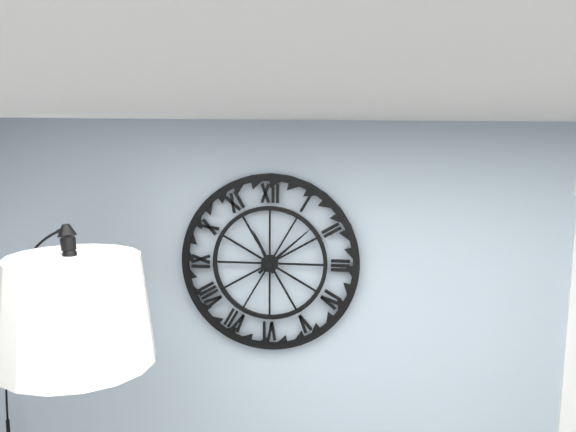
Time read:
11 h 08 min
